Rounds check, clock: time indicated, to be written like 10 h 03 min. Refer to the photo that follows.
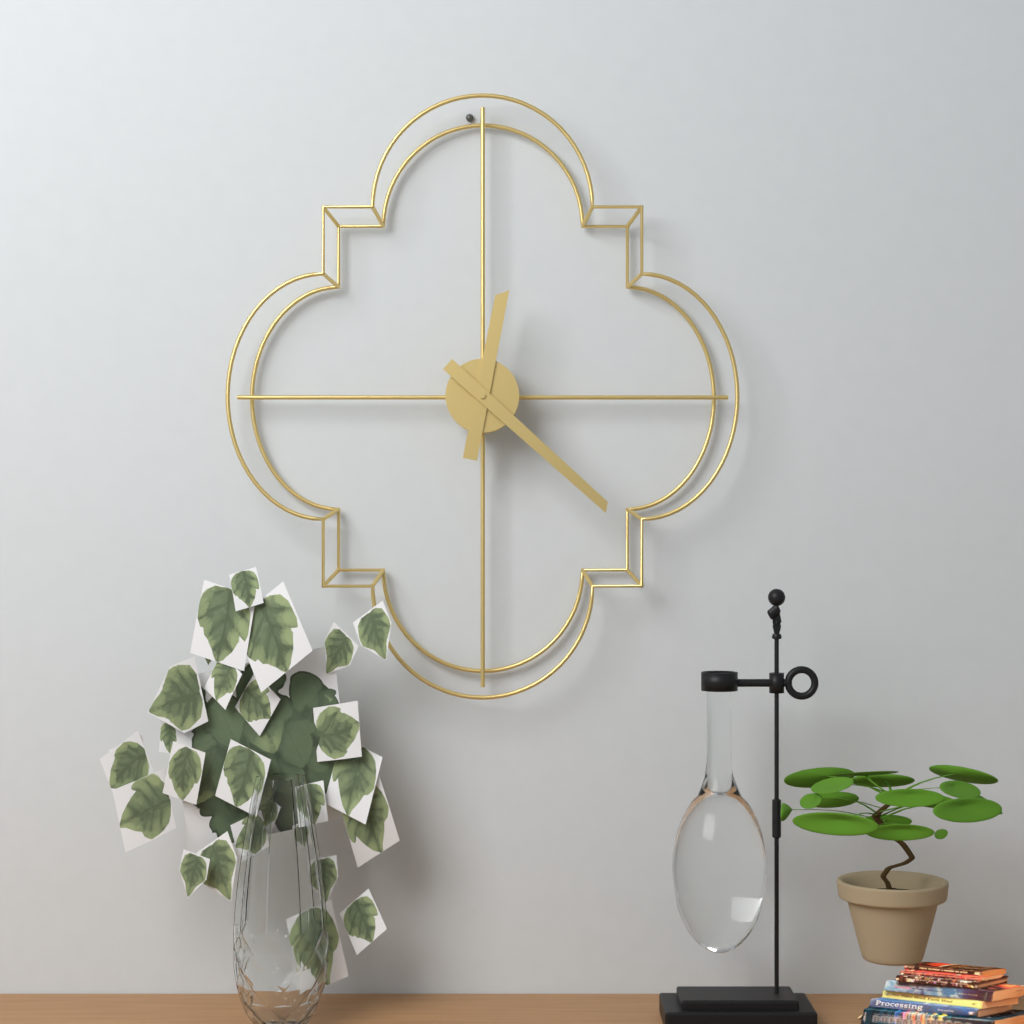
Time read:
12 h 22 min
